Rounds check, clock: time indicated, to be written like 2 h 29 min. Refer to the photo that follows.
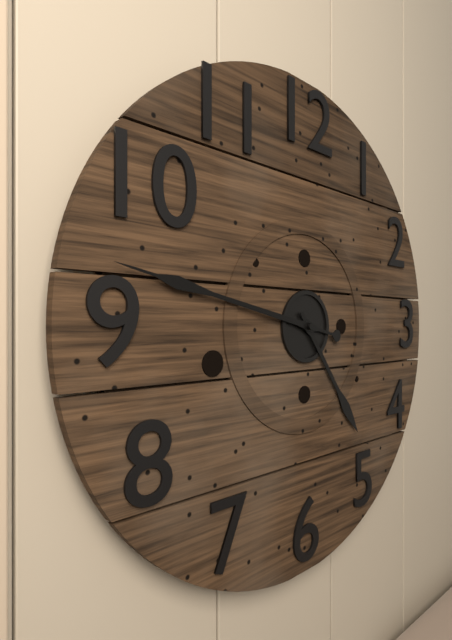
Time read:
4 h 47 min
